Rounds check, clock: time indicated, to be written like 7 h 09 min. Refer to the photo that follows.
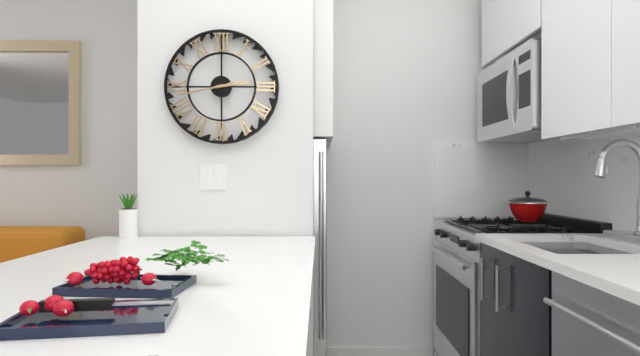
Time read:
2 h 43 min
